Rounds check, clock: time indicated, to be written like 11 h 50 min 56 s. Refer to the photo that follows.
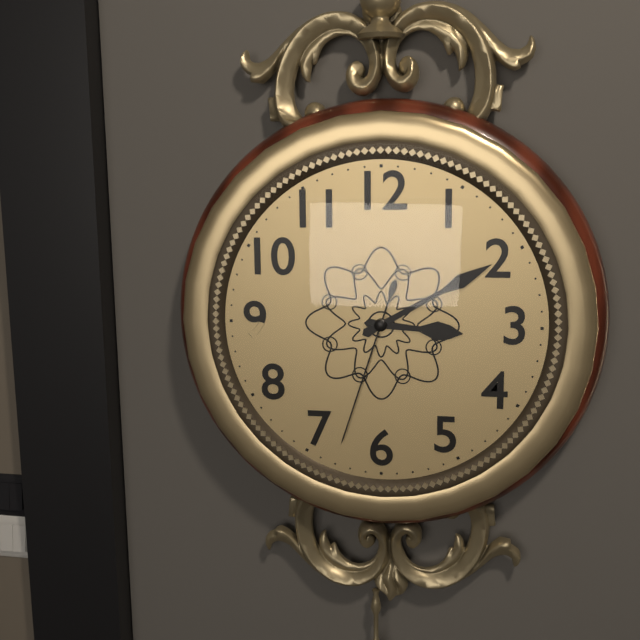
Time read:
3 h 10 min 33 s
